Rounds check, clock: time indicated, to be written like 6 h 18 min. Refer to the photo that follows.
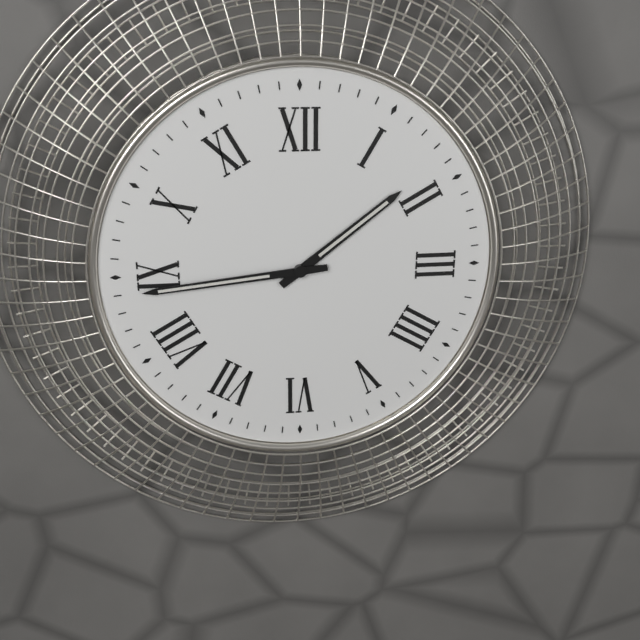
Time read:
1 h 44 min
